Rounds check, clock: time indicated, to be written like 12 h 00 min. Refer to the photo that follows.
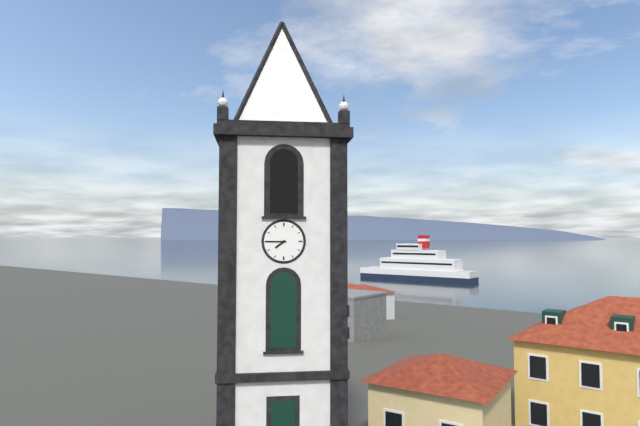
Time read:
7 h 45 min
